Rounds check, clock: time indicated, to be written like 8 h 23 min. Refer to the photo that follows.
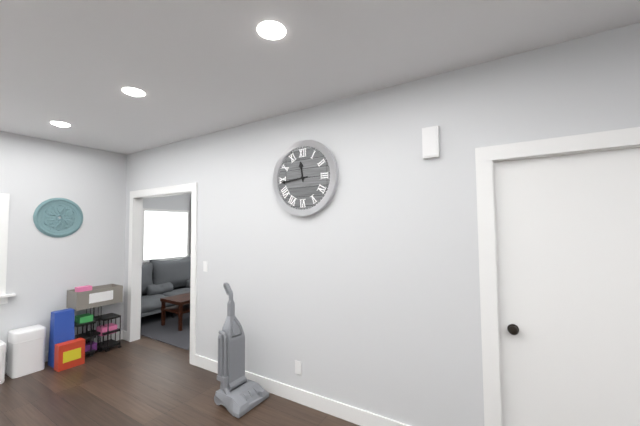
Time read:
11 h 44 min
